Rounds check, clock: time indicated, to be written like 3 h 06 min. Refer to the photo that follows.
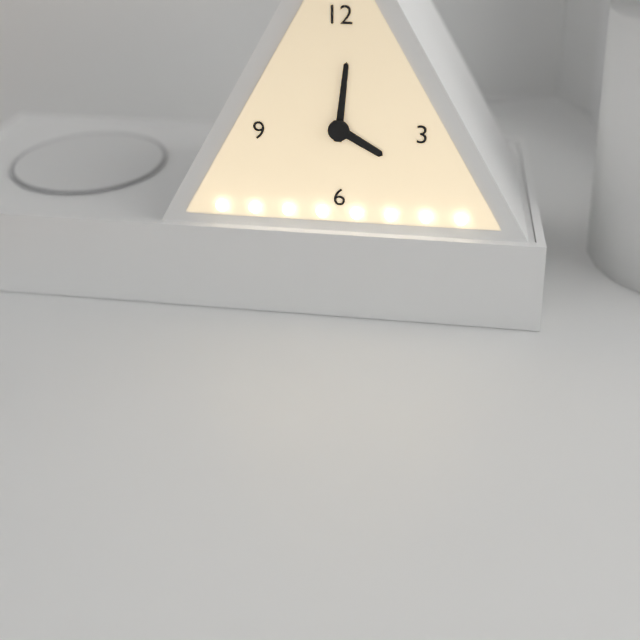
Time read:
4 h 01 min
